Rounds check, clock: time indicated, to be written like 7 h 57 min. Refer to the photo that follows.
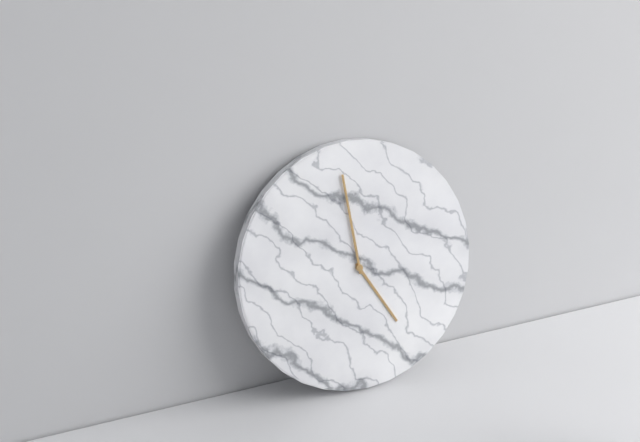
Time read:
4 h 59 min
